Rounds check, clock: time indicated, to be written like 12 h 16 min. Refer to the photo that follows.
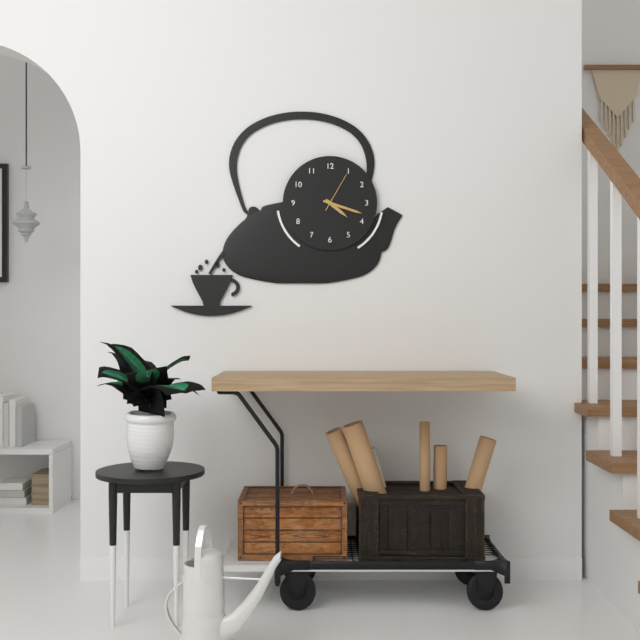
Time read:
4 h 18 min
